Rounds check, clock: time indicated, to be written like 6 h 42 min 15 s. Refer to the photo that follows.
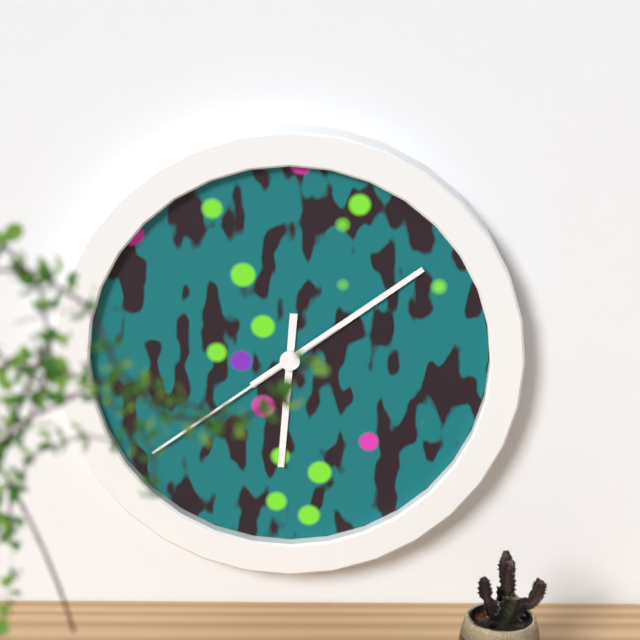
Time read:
6 h 09 min 39 s
